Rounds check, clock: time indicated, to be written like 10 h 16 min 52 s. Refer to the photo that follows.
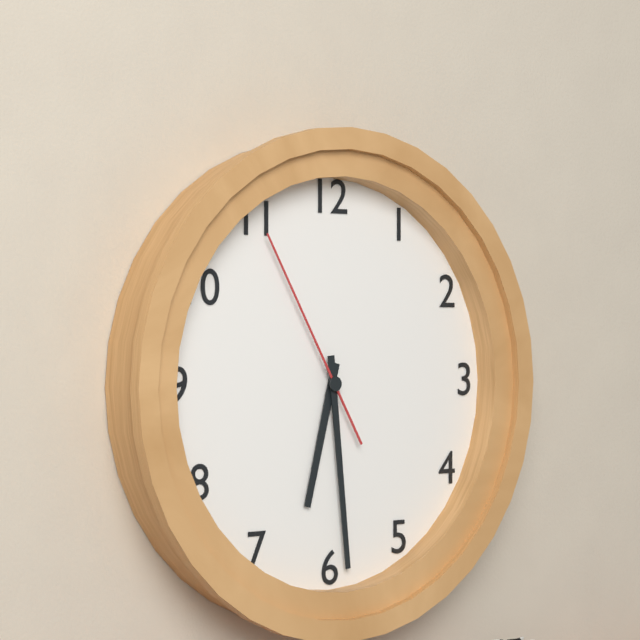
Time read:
6 h 29 min 55 s
